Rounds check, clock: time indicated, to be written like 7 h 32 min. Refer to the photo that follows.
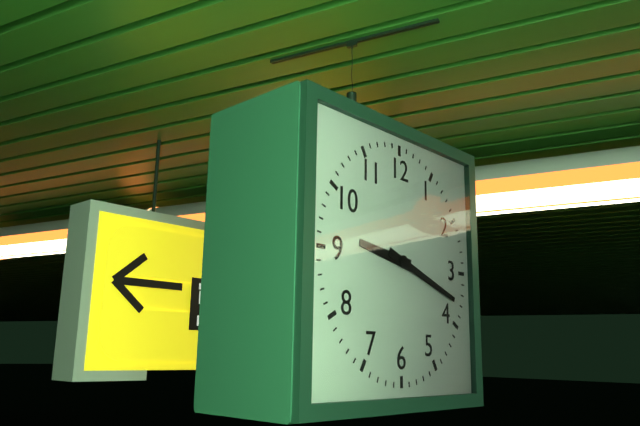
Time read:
9 h 18 min
